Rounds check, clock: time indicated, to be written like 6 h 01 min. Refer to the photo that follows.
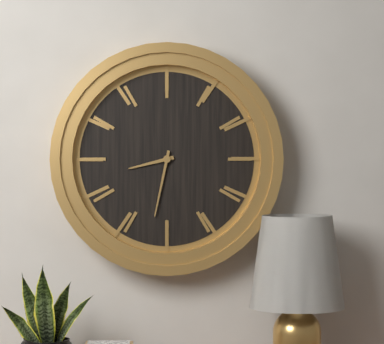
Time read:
8 h 32 min
